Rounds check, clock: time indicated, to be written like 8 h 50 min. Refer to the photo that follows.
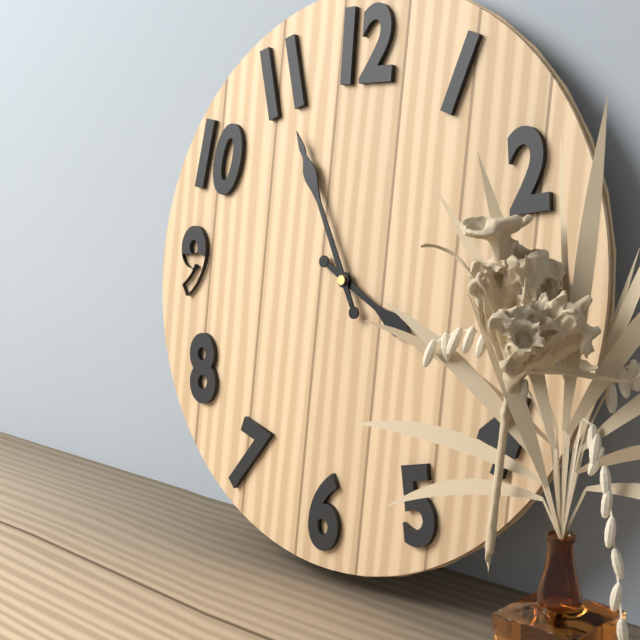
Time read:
3 h 55 min
